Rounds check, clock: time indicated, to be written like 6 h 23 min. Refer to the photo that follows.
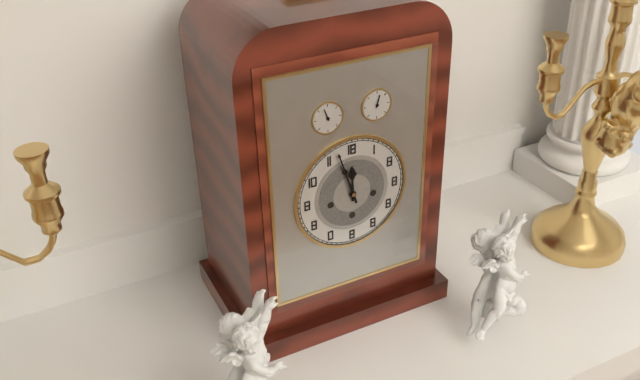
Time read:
11 h 57 min
